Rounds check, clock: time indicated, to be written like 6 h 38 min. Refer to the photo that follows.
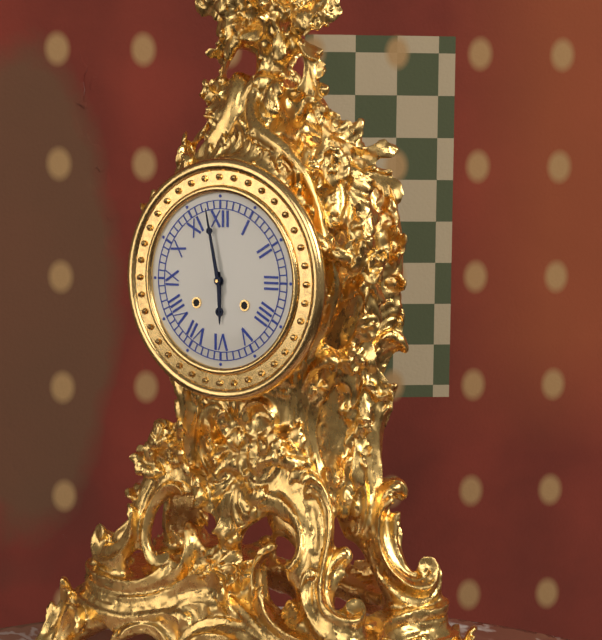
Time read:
5 h 58 min
